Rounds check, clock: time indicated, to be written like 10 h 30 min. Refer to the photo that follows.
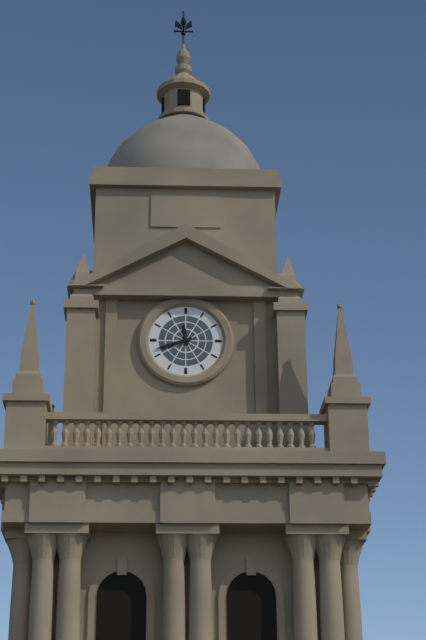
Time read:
11 h 42 min
